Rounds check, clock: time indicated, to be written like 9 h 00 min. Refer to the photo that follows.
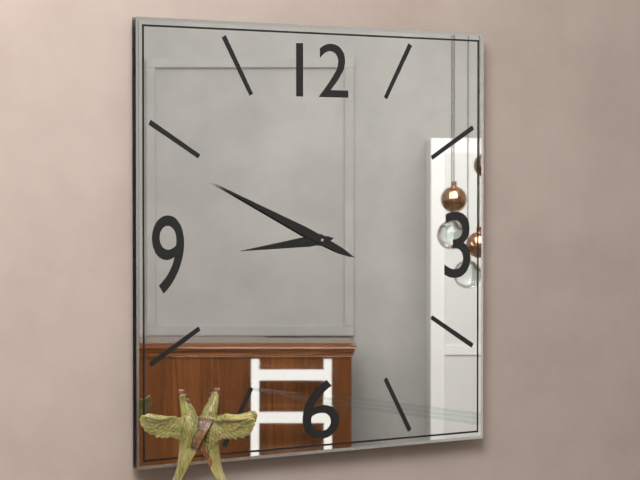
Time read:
8 h 49 min
